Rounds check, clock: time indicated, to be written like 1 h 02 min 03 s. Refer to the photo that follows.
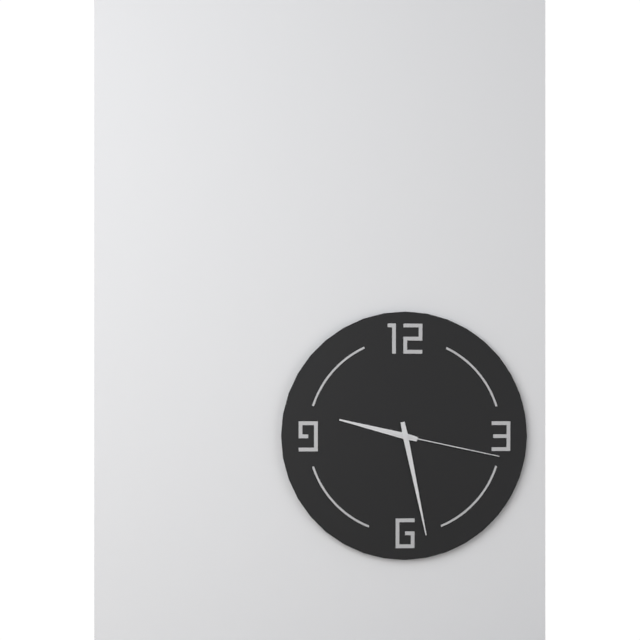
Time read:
9 h 28 min 17 s
